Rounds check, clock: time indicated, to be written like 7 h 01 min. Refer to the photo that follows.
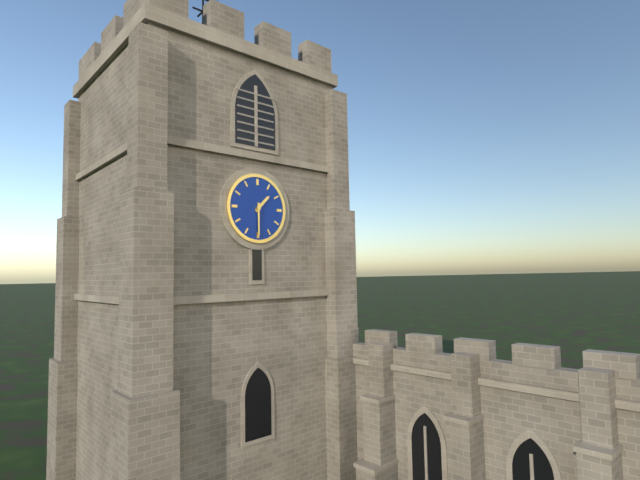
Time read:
1 h 30 min
